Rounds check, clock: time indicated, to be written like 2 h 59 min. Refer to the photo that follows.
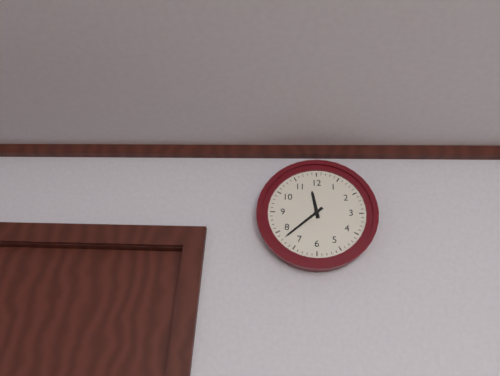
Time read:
11 h 38 min
